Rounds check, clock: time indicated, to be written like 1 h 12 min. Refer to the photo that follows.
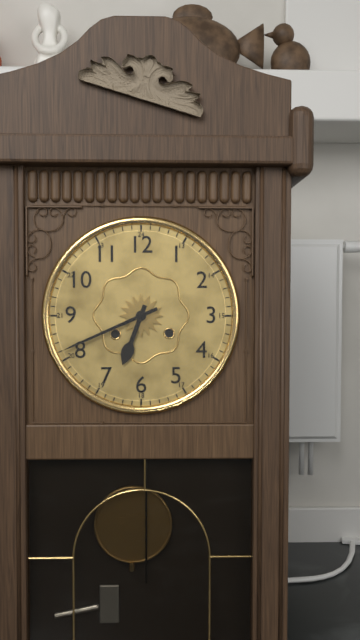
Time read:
6 h 41 min
